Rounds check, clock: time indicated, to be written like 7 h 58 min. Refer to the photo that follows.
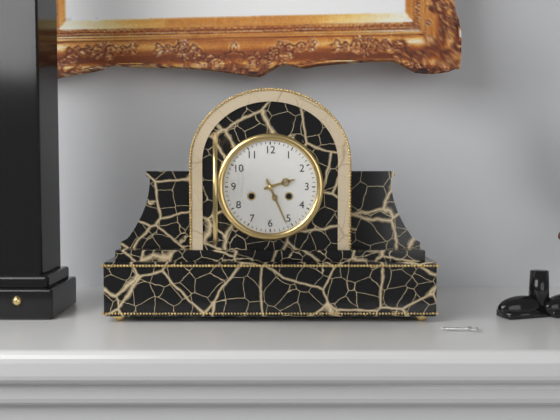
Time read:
2 h 26 min
